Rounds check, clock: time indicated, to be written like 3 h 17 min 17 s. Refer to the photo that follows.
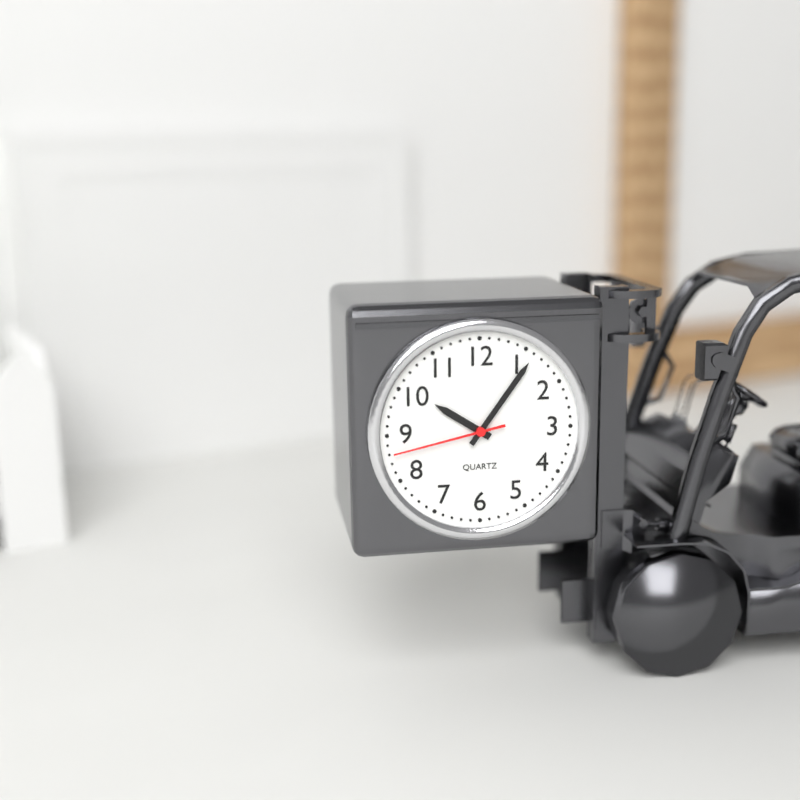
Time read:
10 h 06 min 43 s
